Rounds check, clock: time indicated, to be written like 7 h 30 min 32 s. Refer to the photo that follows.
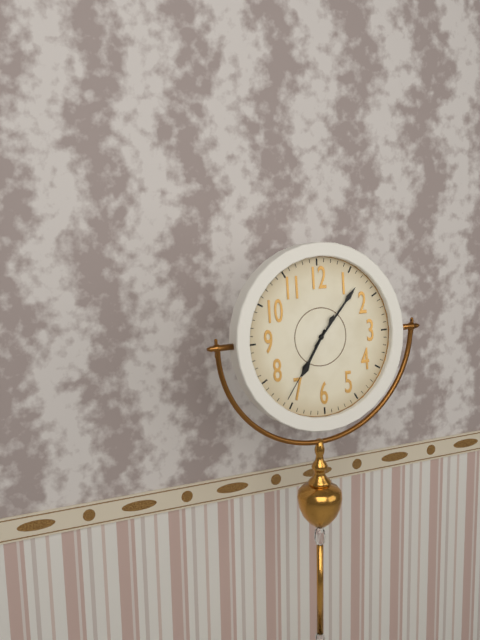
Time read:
7 h 07 min 36 s
